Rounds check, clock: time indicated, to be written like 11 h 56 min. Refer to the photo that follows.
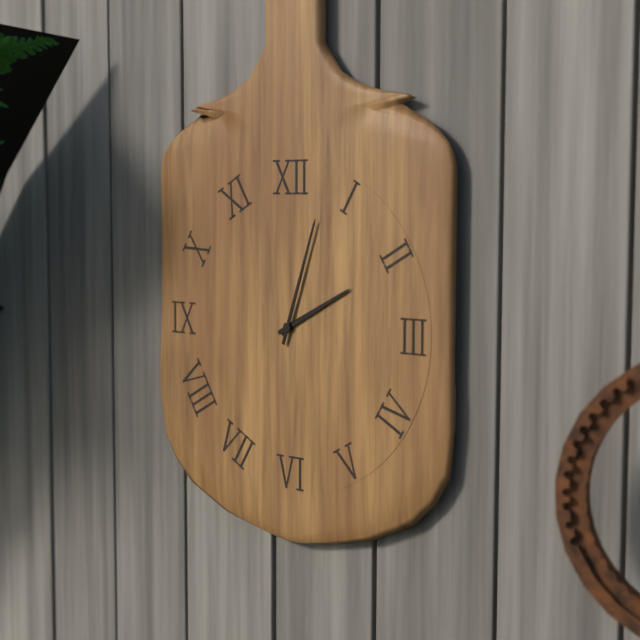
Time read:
2 h 03 min
